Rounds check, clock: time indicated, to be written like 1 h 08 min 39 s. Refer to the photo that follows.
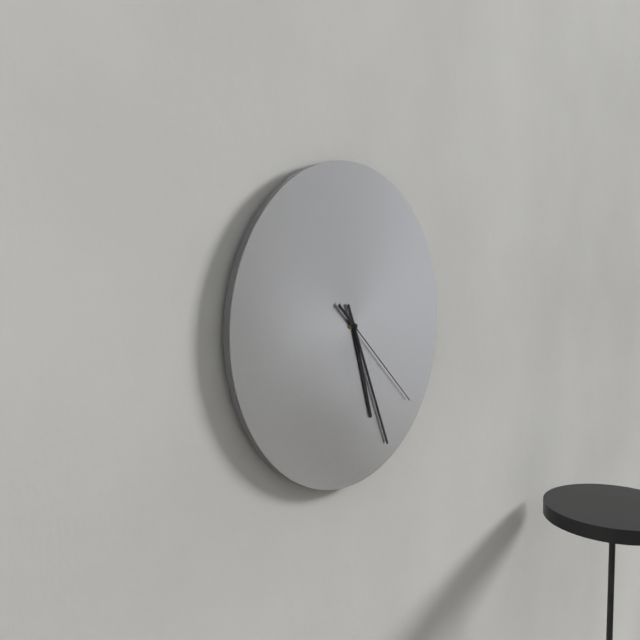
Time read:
5 h 26 min 22 s
